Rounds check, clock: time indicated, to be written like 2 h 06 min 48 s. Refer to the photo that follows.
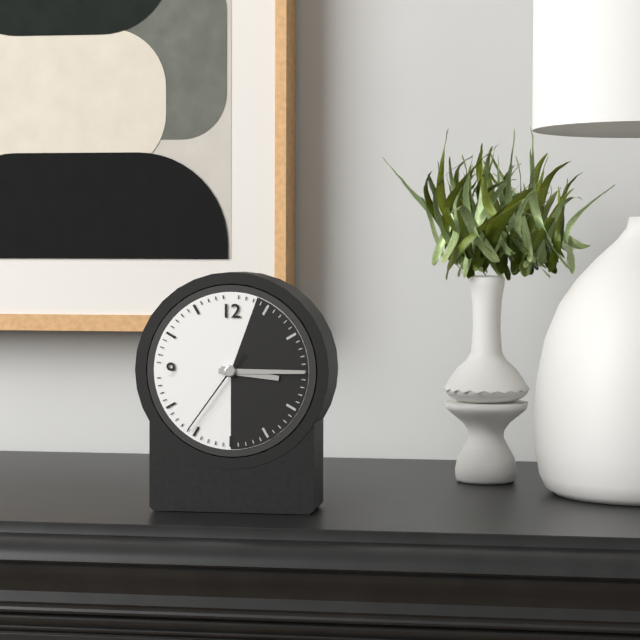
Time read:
3 h 15 min 36 s
